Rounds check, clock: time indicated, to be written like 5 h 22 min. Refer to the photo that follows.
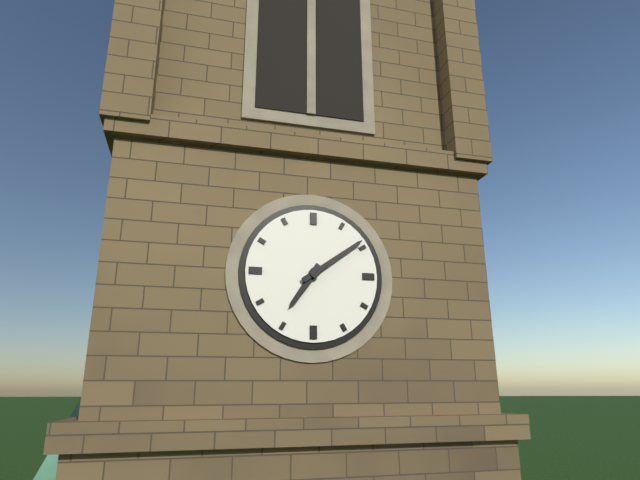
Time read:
7 h 09 min
